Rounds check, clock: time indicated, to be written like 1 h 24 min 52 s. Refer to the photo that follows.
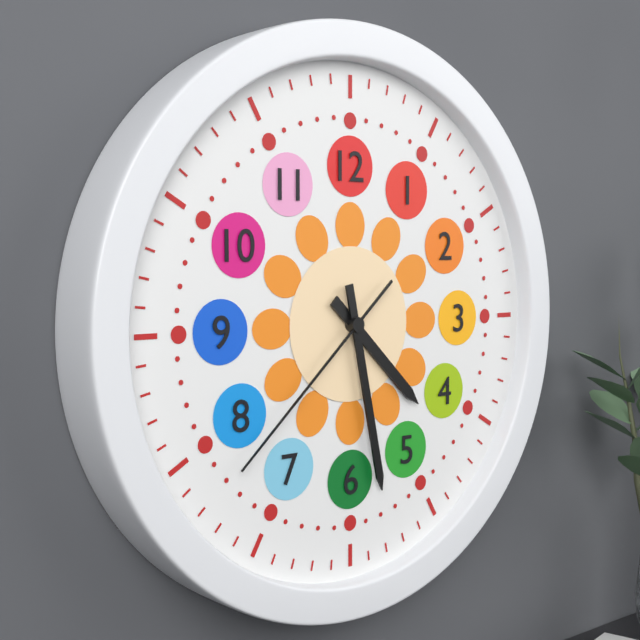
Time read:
4 h 28 min 38 s
